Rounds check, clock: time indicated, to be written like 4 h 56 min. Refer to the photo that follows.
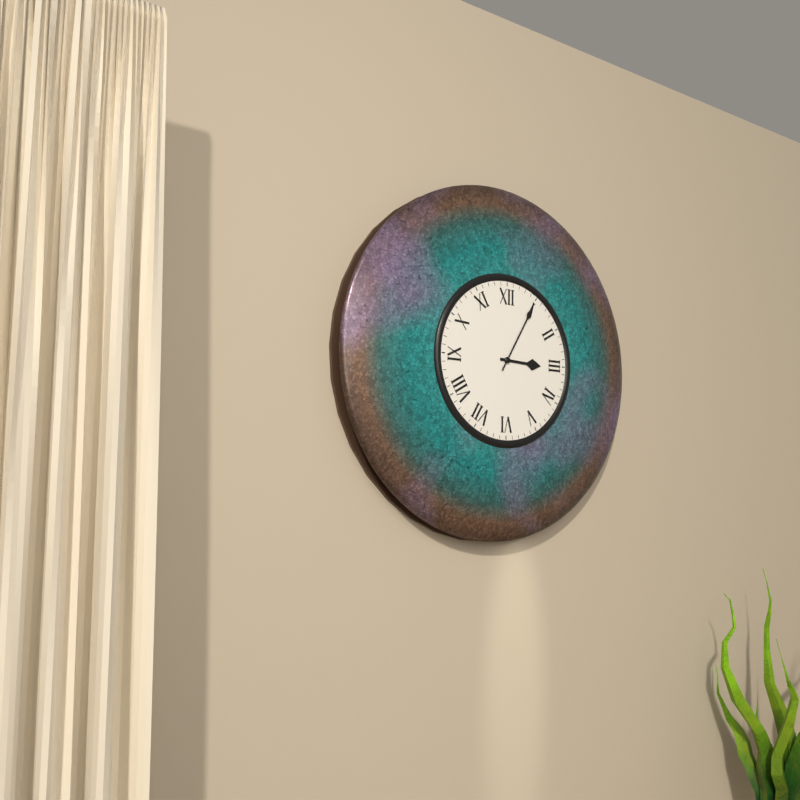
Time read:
3 h 05 min
